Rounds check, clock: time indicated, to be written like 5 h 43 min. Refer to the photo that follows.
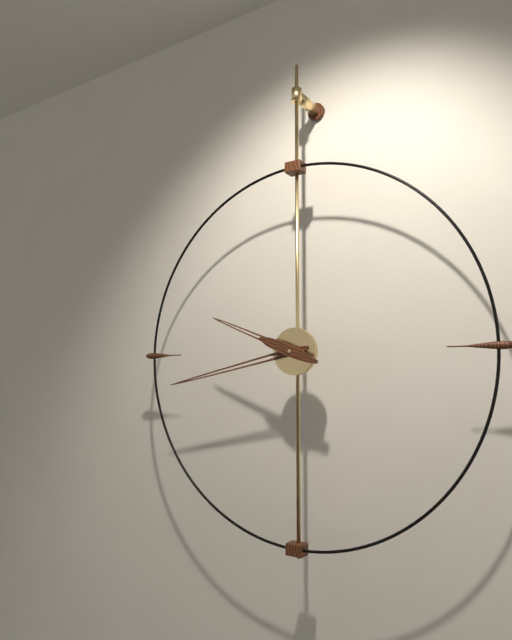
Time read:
9 h 43 min
